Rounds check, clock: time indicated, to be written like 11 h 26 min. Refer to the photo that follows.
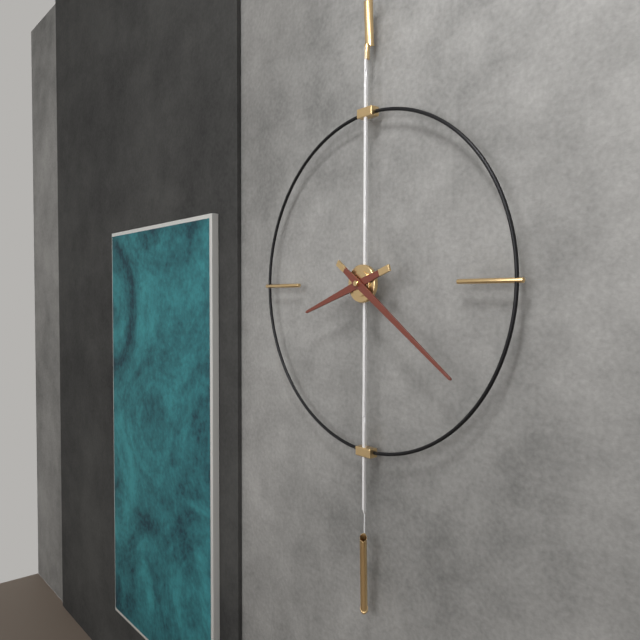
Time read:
8 h 21 min
